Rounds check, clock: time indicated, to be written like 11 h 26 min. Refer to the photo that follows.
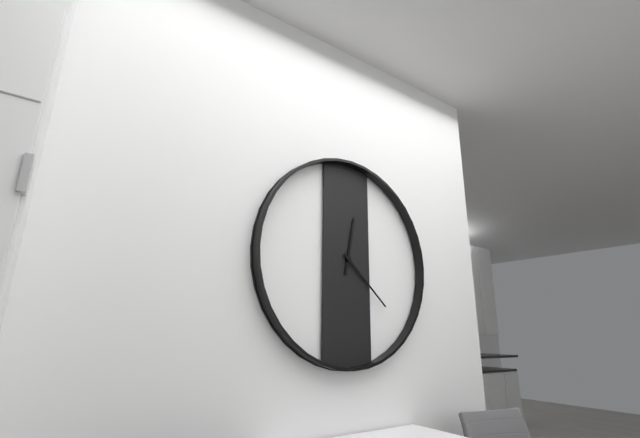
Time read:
12 h 22 min
